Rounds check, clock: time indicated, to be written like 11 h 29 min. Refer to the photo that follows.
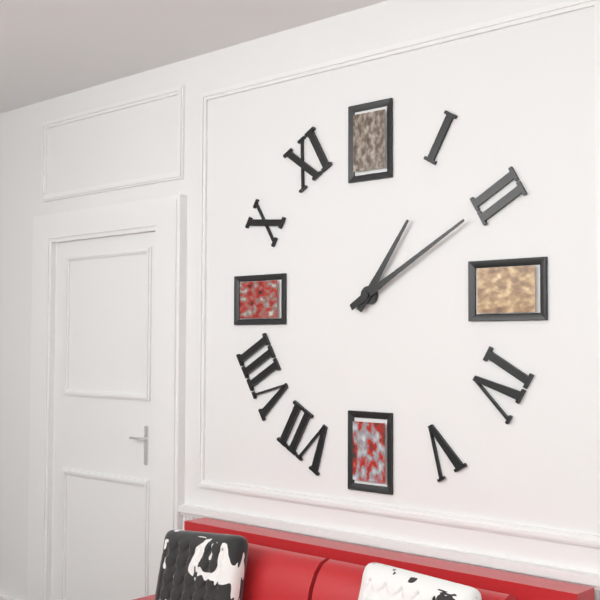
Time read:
1 h 10 min
